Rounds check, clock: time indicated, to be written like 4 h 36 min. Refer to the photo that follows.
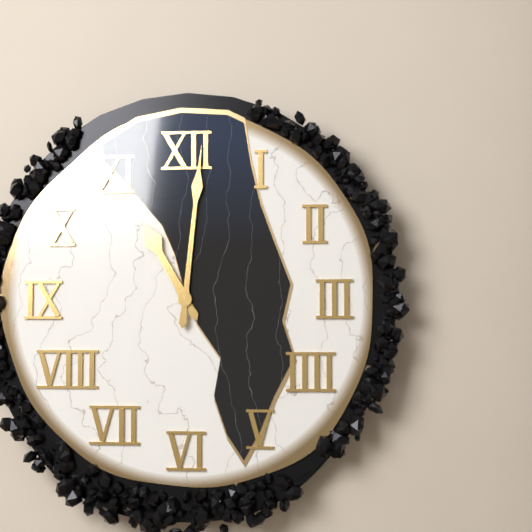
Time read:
11 h 01 min
